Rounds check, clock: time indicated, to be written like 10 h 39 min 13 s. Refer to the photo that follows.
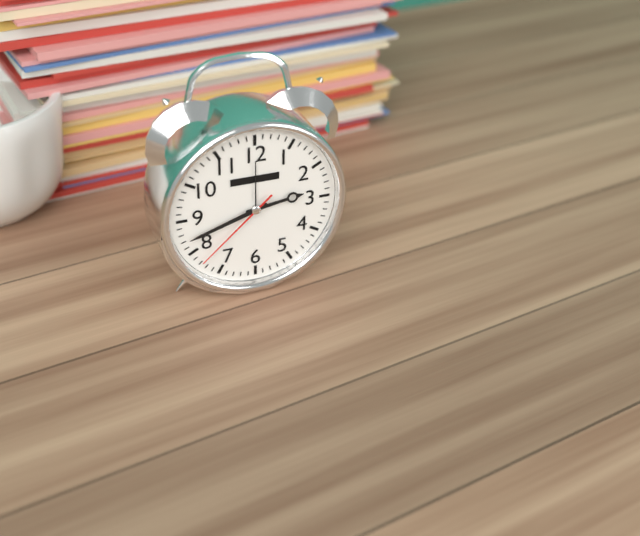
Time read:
2 h 42 min 38 s
